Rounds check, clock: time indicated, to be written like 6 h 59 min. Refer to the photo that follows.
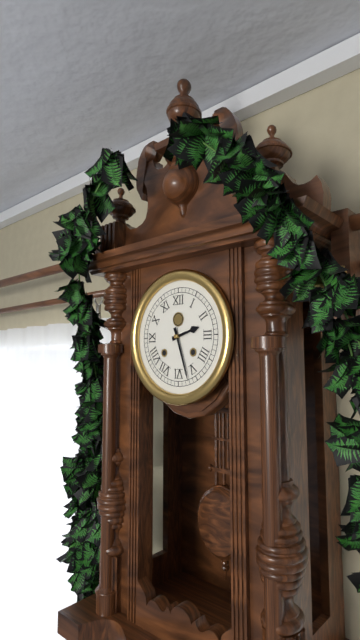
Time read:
2 h 27 min
